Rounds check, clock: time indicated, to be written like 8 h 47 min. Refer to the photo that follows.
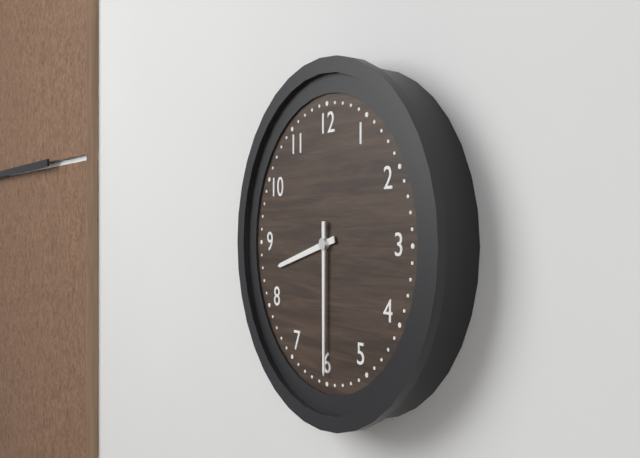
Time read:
8 h 30 min
